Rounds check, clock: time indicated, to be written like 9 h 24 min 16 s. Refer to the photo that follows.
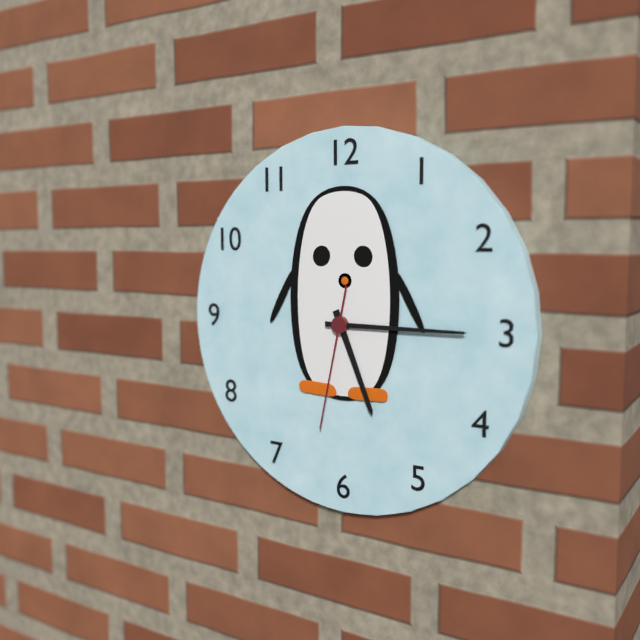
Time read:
5 h 15 min 32 s
